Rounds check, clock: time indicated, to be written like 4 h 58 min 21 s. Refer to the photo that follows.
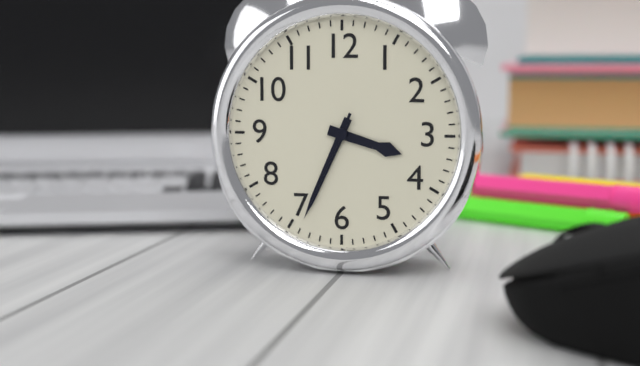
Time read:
3 h 34 min 34 s
